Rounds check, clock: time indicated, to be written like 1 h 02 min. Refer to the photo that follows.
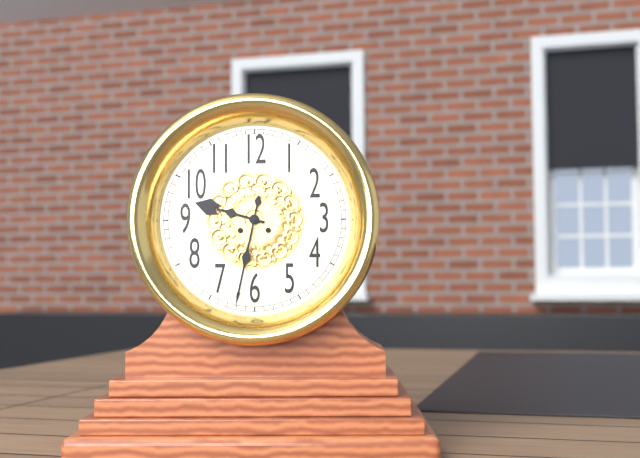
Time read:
9 h 32 min
